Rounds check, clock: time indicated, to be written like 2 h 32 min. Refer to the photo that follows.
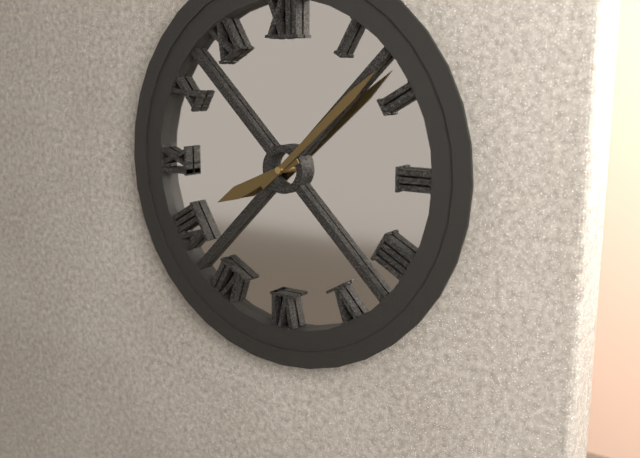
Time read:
8 h 08 min
